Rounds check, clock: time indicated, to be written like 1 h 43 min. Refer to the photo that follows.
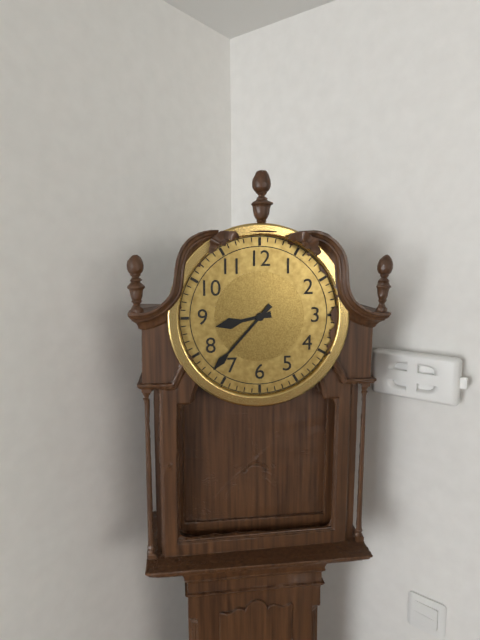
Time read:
8 h 37 min
